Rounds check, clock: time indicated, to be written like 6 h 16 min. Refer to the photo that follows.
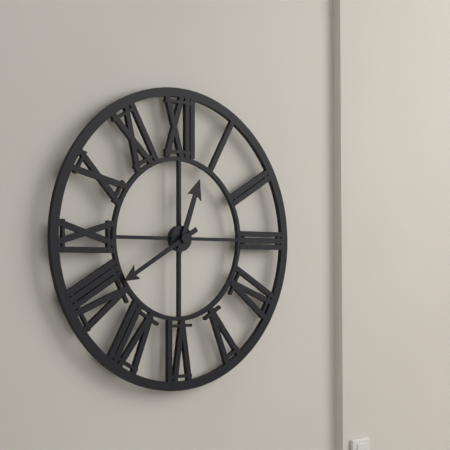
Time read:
12 h 40 min
